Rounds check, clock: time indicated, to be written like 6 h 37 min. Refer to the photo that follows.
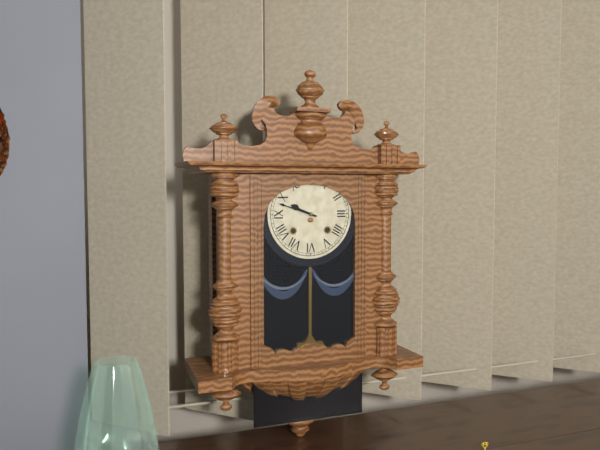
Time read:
9 h 48 min
